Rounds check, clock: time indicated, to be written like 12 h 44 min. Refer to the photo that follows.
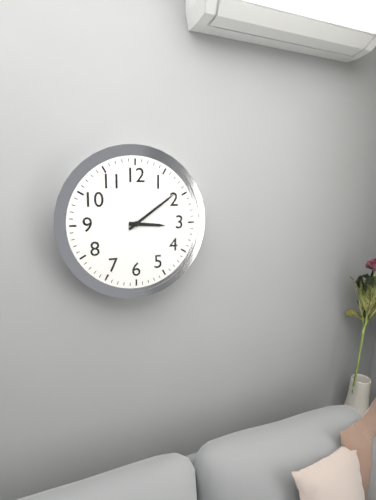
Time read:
3 h 09 min
